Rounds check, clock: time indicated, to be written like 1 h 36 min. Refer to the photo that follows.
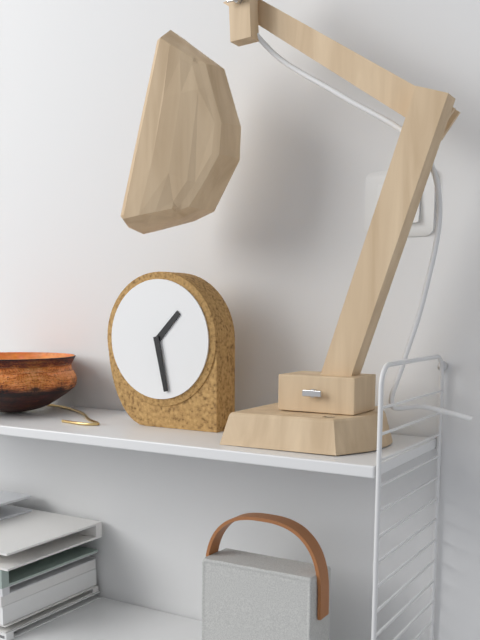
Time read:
1 h 28 min
